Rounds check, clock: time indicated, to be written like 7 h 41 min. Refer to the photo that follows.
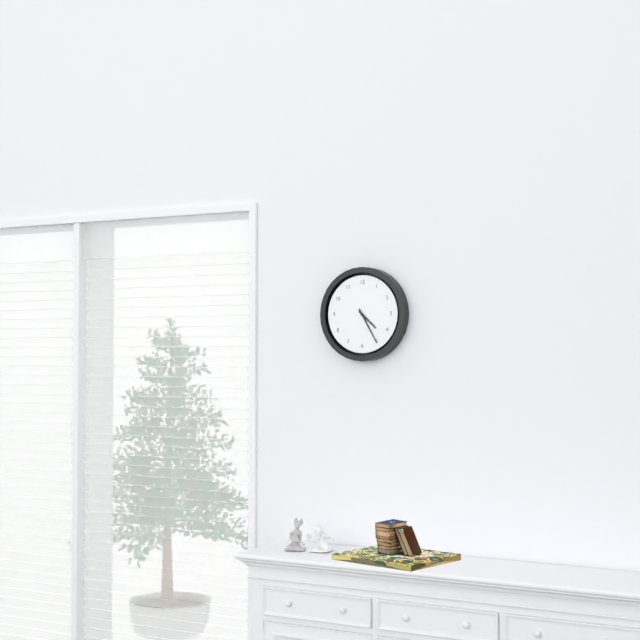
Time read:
4 h 25 min
